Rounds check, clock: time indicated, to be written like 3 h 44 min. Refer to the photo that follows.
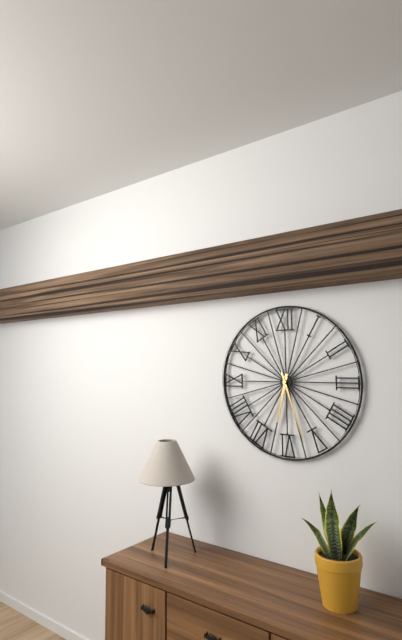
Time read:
6 h 27 min
